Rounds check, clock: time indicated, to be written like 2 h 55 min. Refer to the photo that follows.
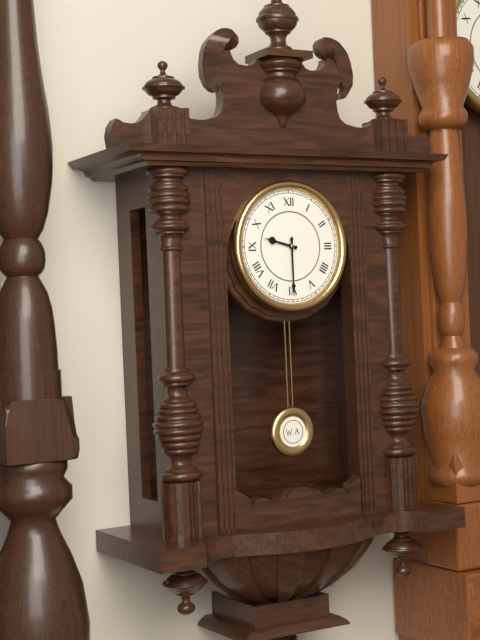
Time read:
9 h 30 min
